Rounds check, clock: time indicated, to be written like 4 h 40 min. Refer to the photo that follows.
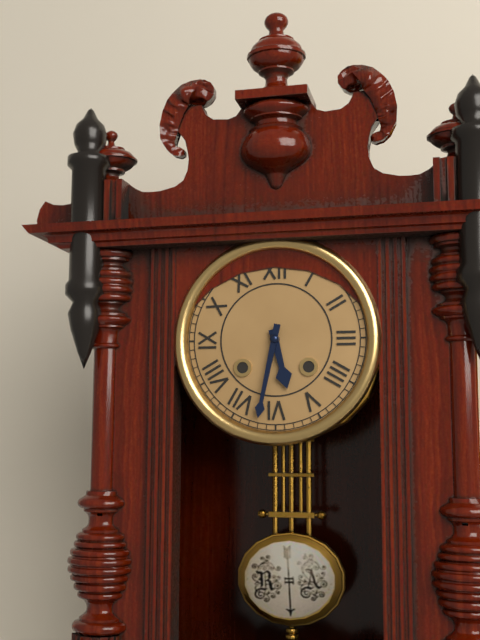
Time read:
5 h 32 min
